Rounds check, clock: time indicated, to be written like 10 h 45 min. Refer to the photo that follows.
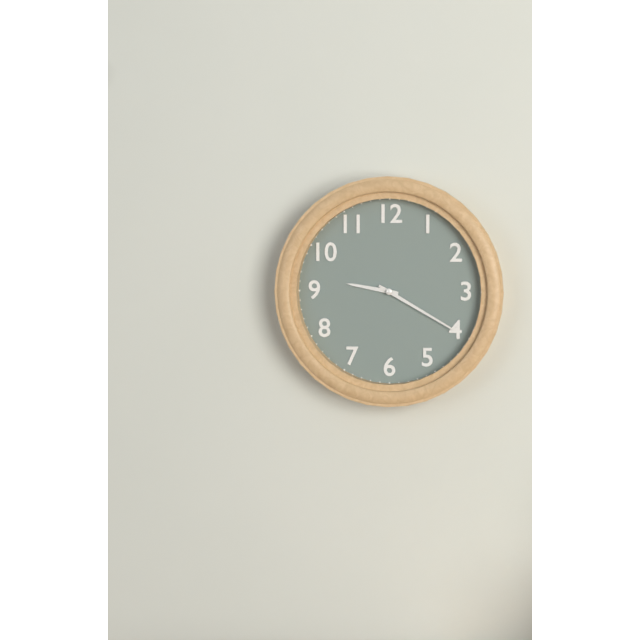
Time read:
9 h 20 min
